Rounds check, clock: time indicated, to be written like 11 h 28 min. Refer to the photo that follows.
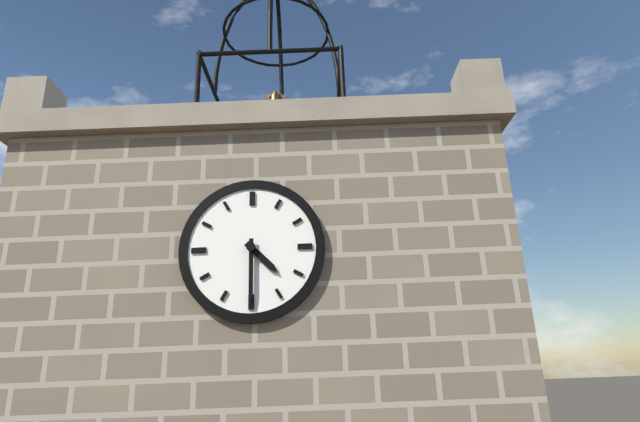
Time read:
4 h 30 min
